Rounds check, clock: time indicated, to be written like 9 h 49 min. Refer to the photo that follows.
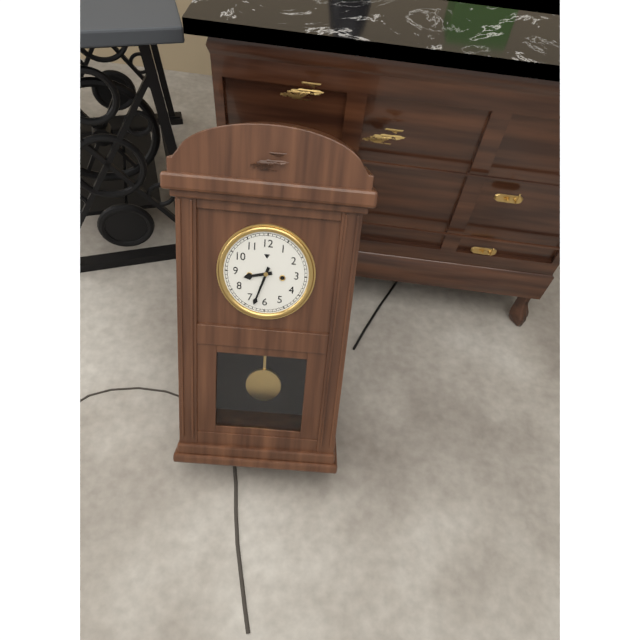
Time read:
8 h 33 min
